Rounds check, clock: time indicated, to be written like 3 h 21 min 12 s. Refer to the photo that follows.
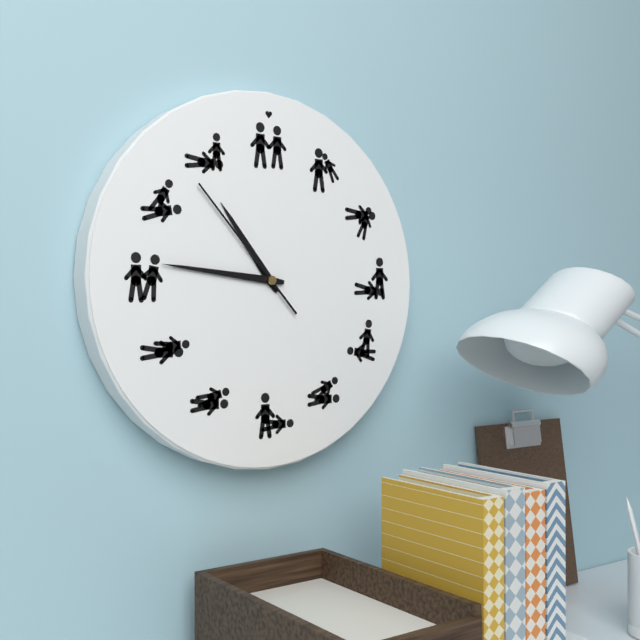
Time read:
10 h 46 min 53 s
